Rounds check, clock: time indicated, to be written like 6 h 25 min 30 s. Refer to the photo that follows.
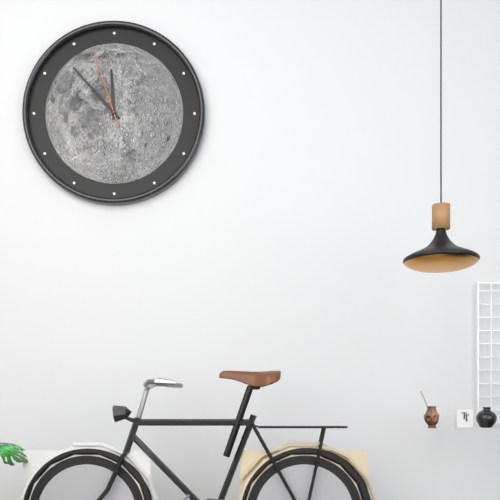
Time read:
11 h 53 min 57 s
